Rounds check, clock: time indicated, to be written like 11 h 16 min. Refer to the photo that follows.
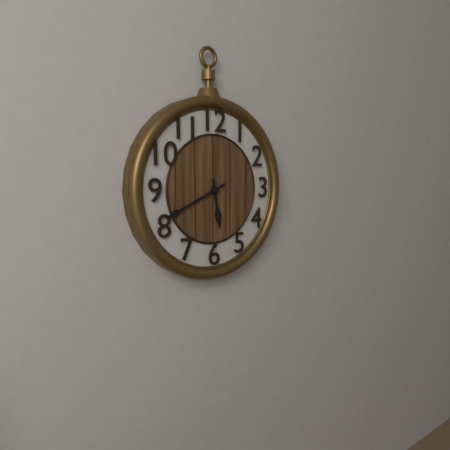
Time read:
5 h 41 min
